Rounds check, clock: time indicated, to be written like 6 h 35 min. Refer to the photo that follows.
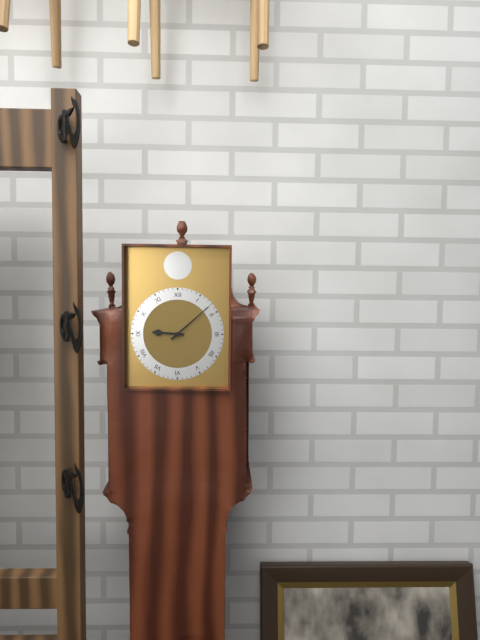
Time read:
9 h 08 min
